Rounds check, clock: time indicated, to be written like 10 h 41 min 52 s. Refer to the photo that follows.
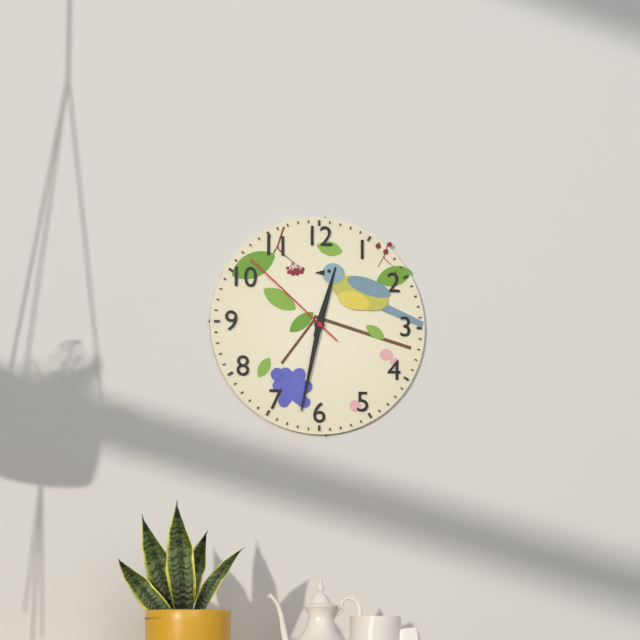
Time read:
12 h 32 min 52 s
